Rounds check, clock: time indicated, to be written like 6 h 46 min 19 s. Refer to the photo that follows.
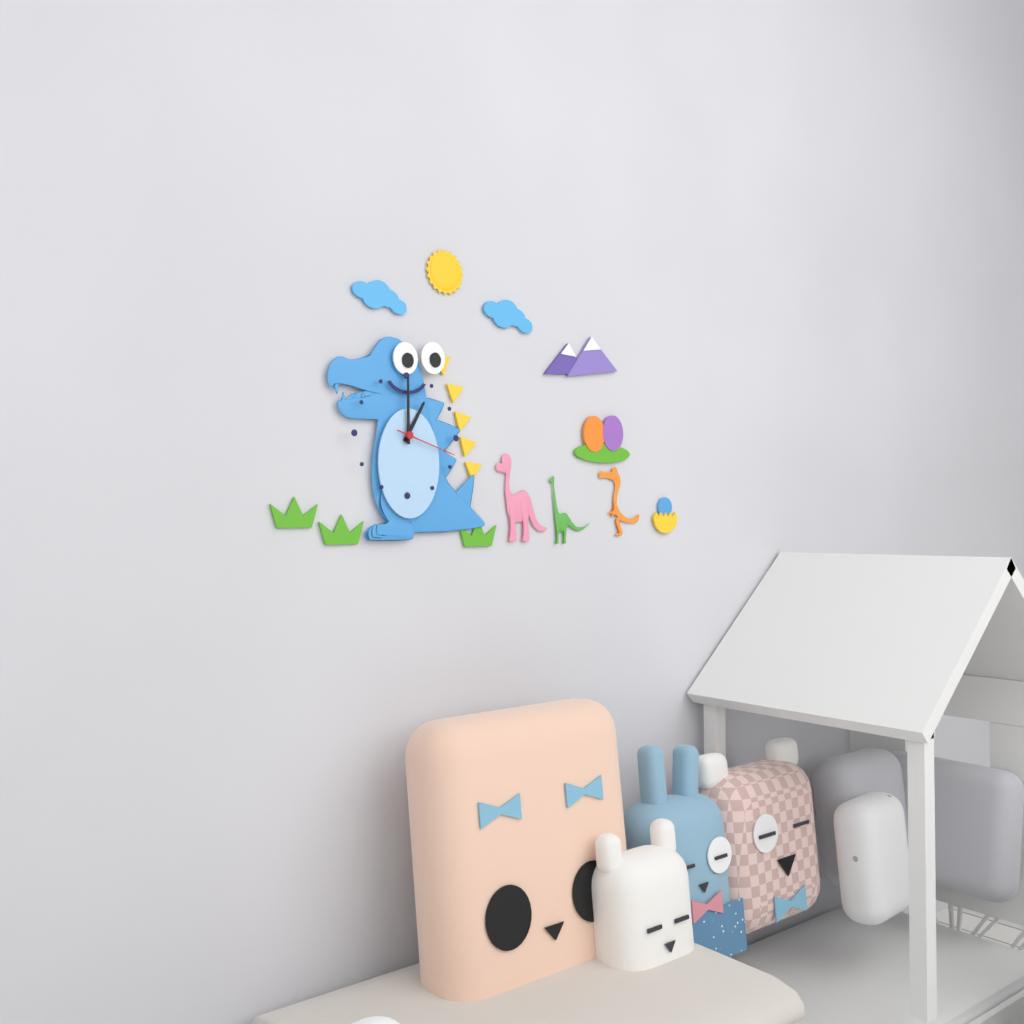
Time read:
1 h 00 min 18 s
